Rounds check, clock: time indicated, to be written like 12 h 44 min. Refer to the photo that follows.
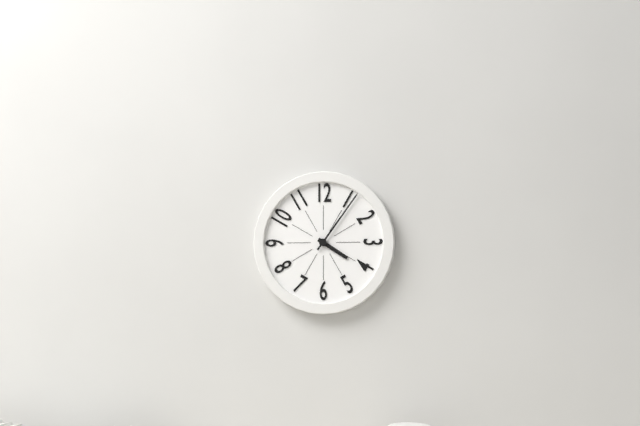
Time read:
4 h 06 min
